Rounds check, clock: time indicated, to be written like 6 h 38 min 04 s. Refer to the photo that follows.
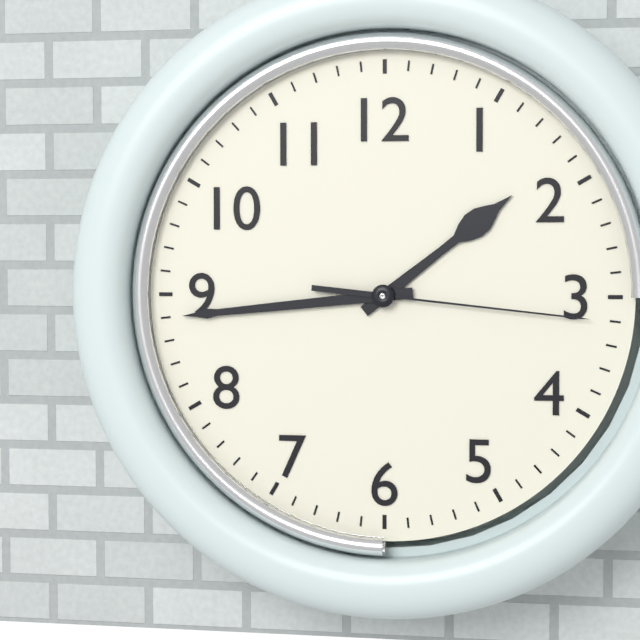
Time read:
1 h 44 min 16 s
